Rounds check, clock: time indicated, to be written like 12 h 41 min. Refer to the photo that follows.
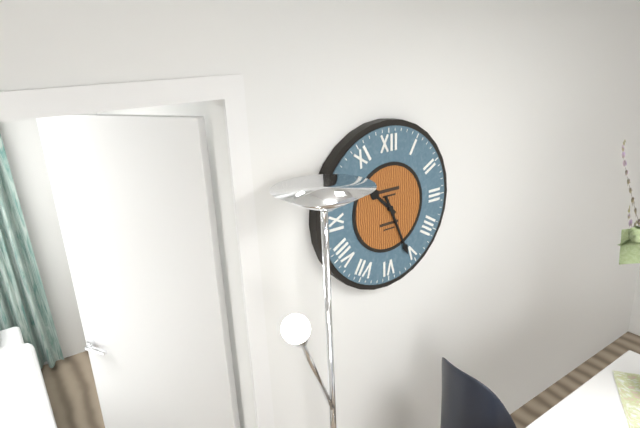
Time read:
10 h 26 min
